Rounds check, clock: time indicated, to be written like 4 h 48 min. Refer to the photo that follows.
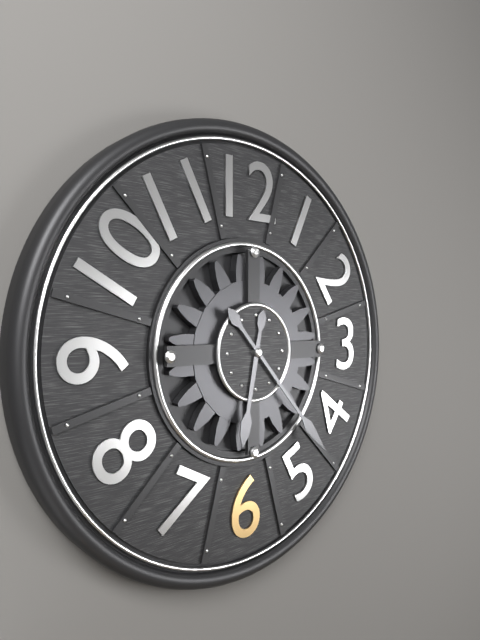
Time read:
6 h 23 min
